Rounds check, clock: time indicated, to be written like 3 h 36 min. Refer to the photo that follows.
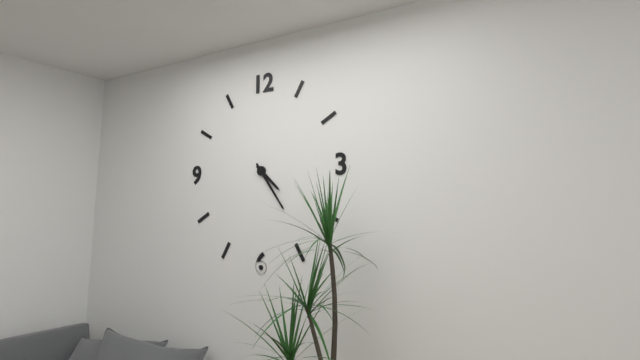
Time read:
4 h 24 min
